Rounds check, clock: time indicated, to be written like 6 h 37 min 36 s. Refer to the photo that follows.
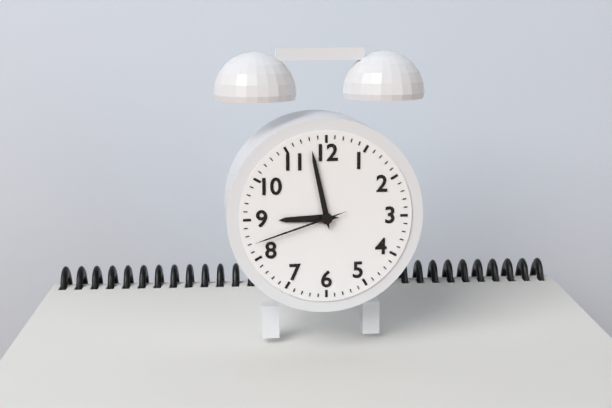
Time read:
8 h 58 min 42 s
